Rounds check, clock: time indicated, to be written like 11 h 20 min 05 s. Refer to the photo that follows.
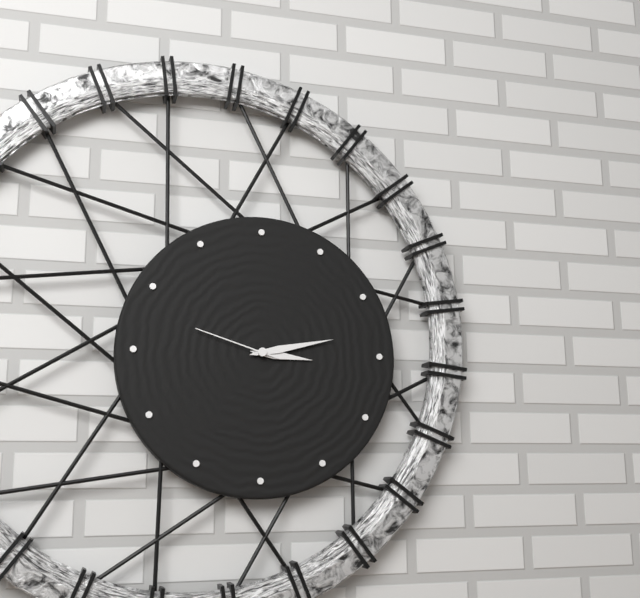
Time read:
3 h 13 min 48 s
